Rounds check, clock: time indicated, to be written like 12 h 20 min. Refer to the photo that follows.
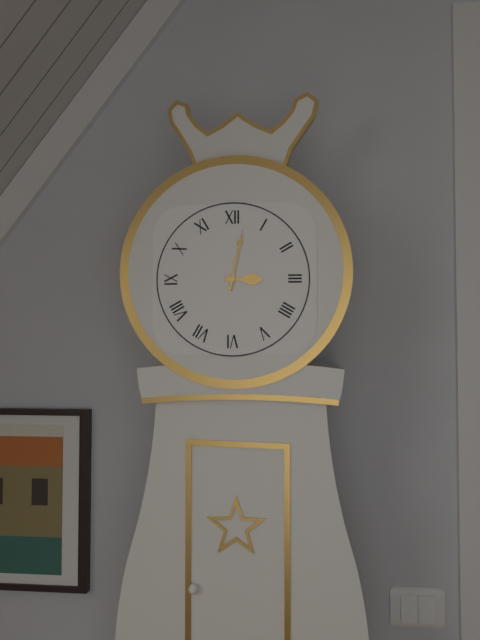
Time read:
3 h 02 min
